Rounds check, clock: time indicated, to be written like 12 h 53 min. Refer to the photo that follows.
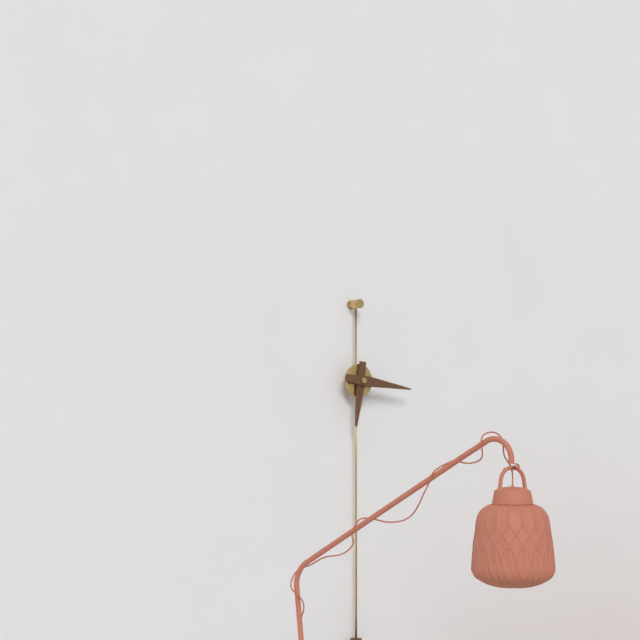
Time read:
6 h 16 min
